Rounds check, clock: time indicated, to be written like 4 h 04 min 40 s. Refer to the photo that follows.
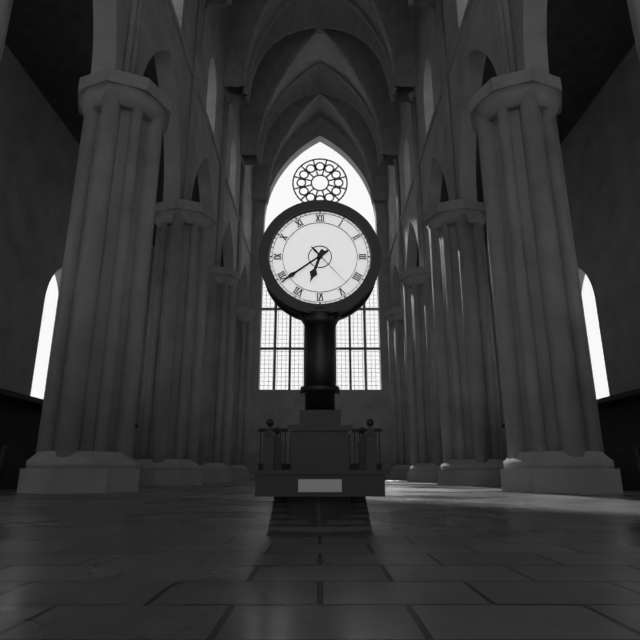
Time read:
6 h 39 min 23 s
